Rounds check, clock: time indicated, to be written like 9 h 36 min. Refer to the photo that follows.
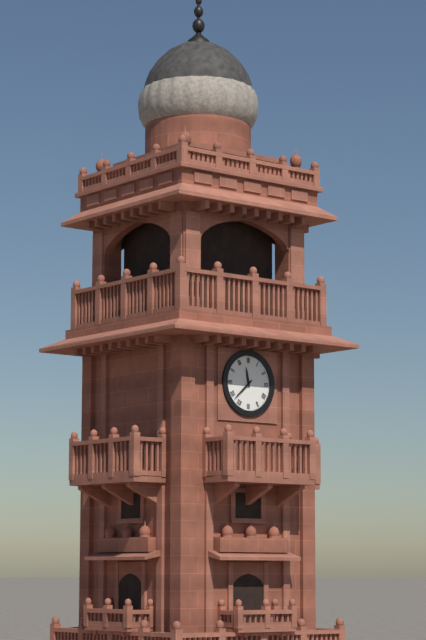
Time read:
11 h 38 min
